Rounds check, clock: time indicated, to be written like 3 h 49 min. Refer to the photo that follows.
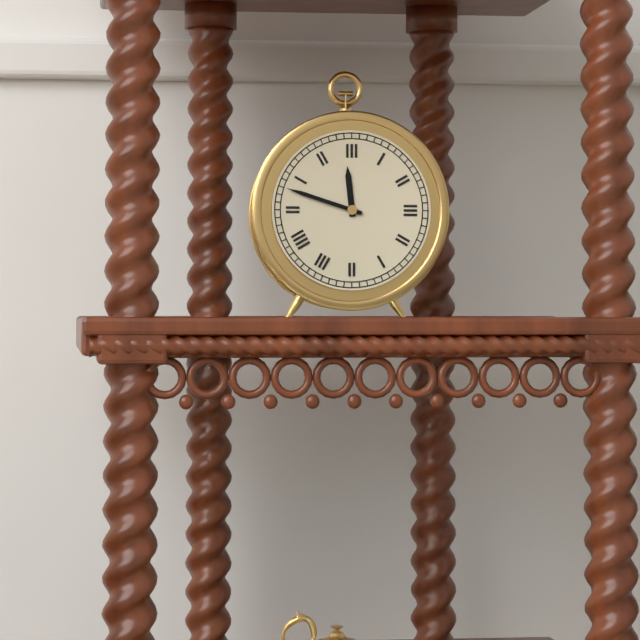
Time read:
11 h 48 min
